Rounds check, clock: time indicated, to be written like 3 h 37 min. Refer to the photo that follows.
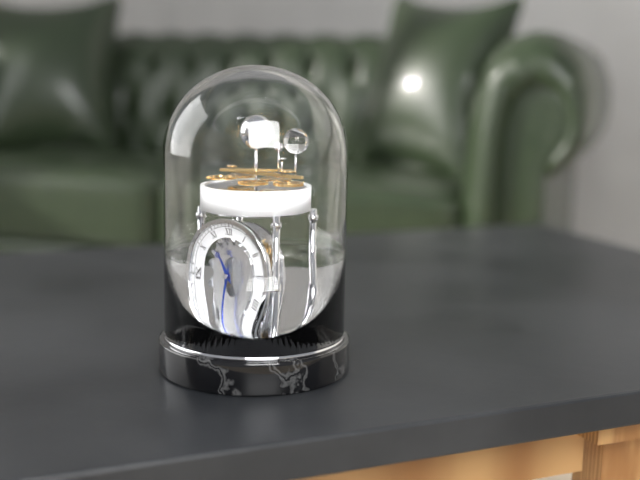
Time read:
10 h 33 min
